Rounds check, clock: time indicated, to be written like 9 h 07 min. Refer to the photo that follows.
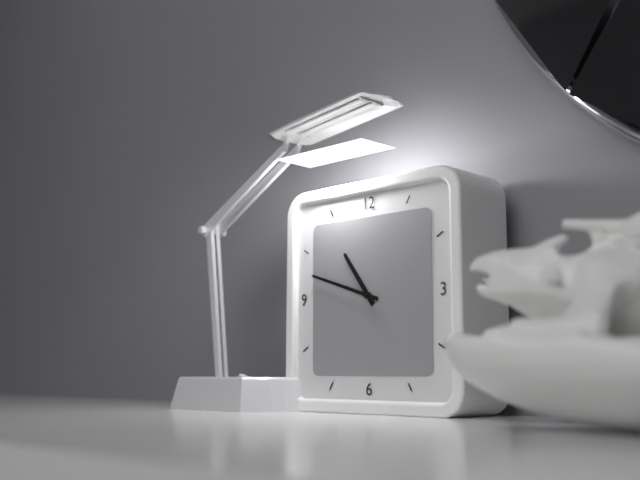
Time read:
10 h 48 min
